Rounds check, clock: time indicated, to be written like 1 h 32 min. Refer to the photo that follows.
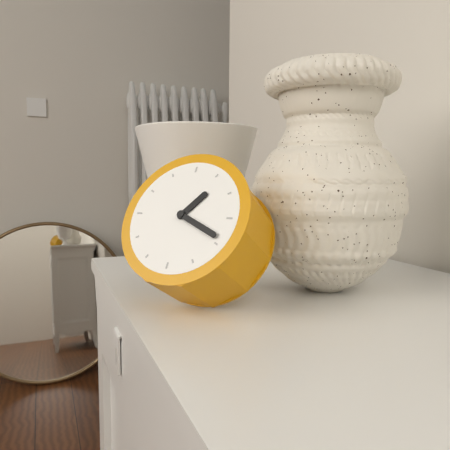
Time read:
1 h 19 min
